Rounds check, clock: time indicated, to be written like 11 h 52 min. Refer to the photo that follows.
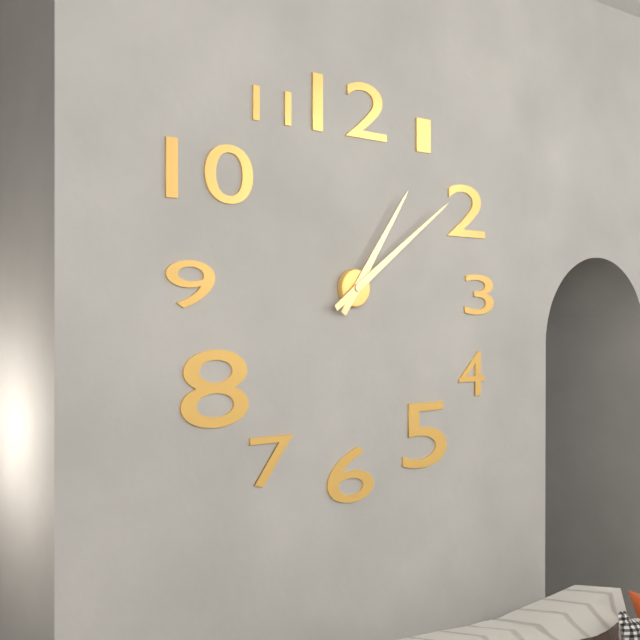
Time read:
1 h 09 min
